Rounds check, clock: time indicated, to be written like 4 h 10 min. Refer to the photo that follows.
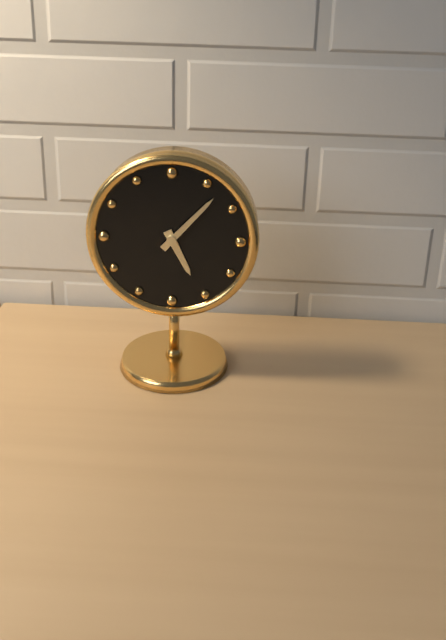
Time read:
5 h 07 min
